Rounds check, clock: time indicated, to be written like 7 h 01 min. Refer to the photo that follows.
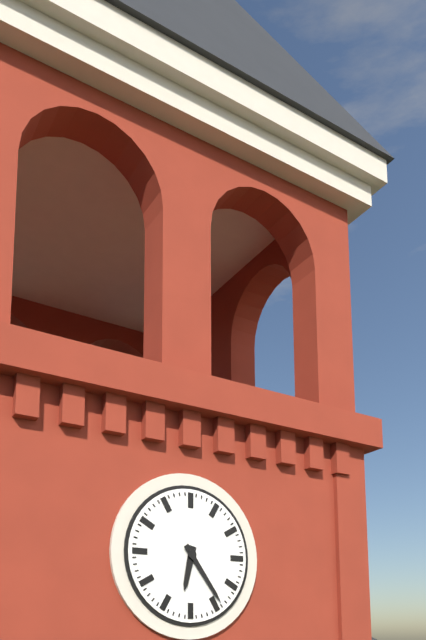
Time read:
6 h 24 min
